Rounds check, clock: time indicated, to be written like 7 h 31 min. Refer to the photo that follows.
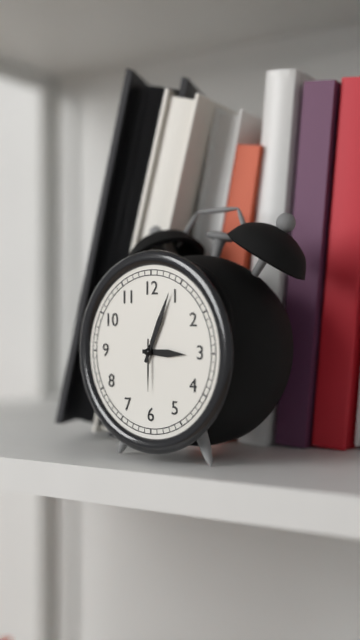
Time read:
3 h 04 min
